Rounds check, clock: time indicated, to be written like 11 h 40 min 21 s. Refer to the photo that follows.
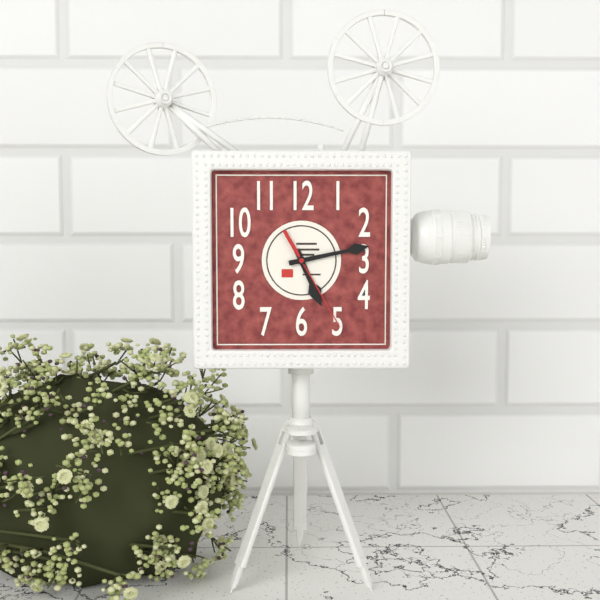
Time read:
5 h 13 min 25 s
